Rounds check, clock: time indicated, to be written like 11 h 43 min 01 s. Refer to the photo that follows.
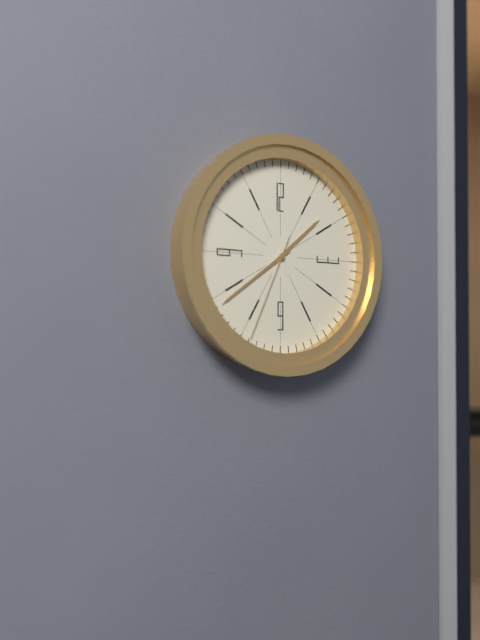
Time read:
1 h 39 min 34 s
